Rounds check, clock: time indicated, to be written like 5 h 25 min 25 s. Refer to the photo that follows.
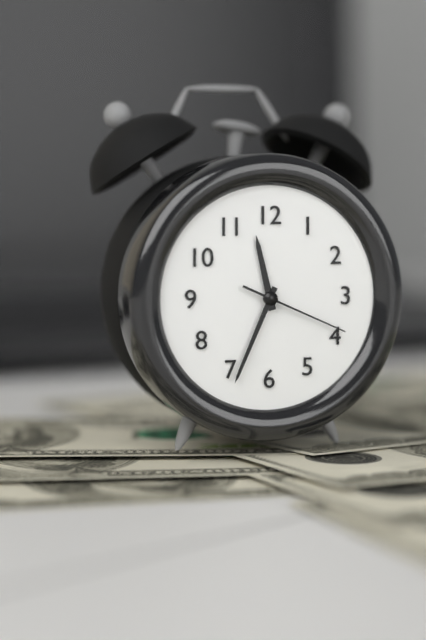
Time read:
11 h 34 min 19 s
